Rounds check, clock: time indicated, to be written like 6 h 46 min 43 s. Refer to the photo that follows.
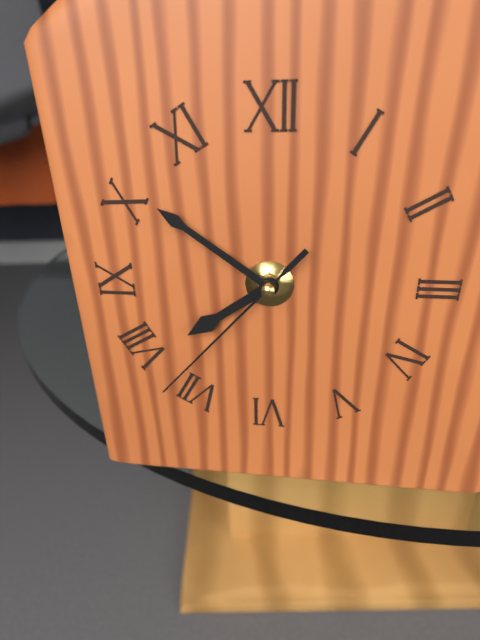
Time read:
7 h 51 min 37 s
